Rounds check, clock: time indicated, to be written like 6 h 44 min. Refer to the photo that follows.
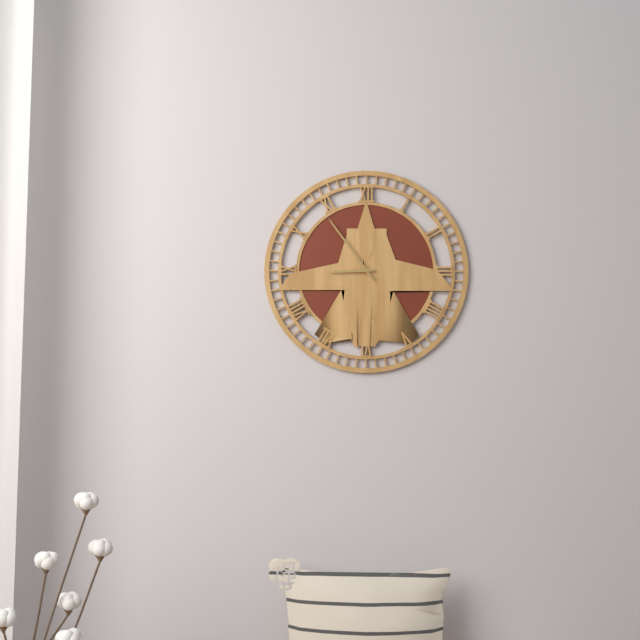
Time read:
8 h 54 min
